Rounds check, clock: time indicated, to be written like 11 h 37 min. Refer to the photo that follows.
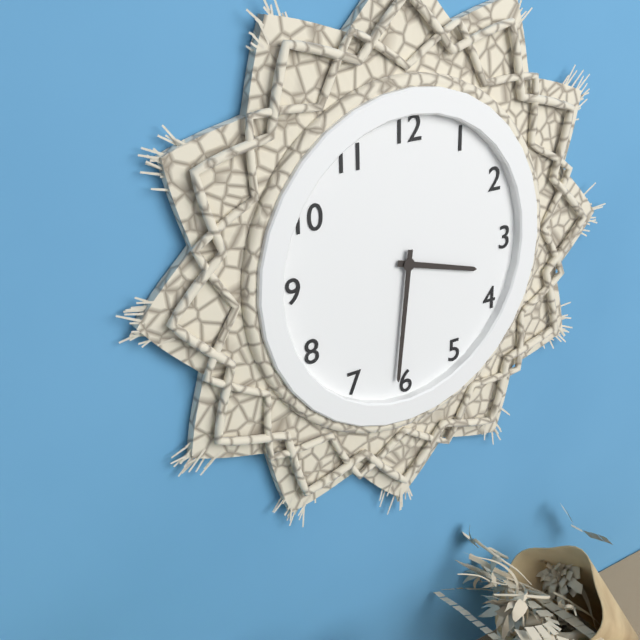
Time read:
3 h 31 min
